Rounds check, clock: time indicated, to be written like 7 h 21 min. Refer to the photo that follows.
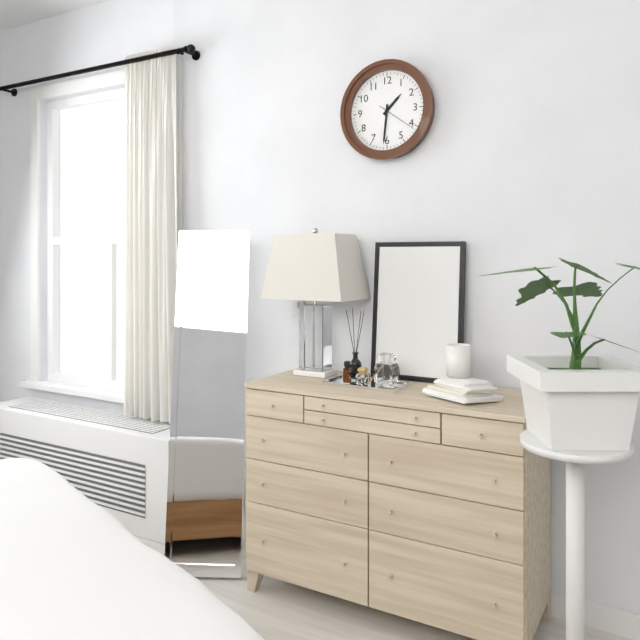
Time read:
1 h 31 min
